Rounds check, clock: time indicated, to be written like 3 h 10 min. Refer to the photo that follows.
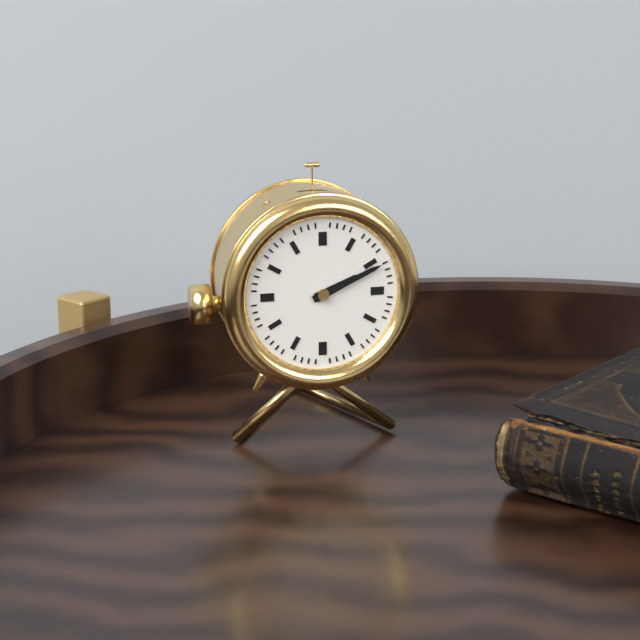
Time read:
2 h 11 min
